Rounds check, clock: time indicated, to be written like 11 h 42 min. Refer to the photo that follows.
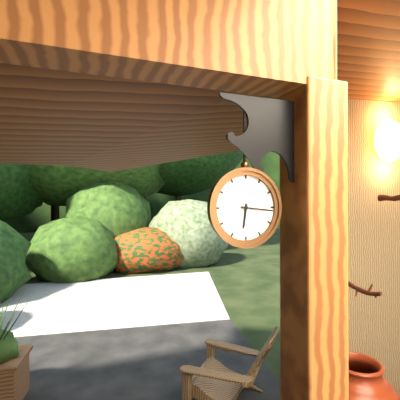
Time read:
6 h 16 min
